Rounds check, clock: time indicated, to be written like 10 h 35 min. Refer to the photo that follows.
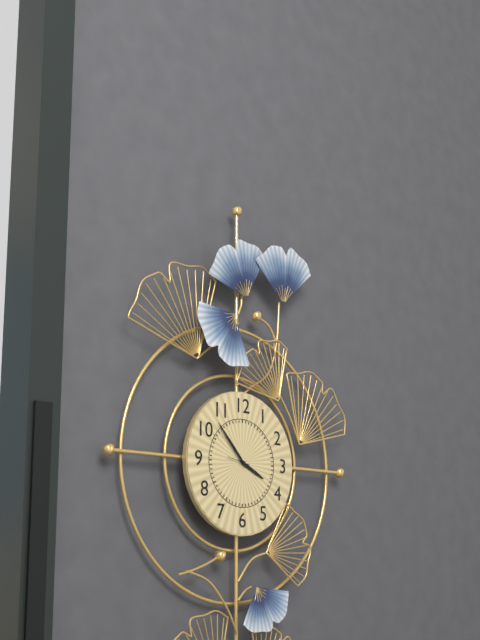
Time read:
3 h 53 min
